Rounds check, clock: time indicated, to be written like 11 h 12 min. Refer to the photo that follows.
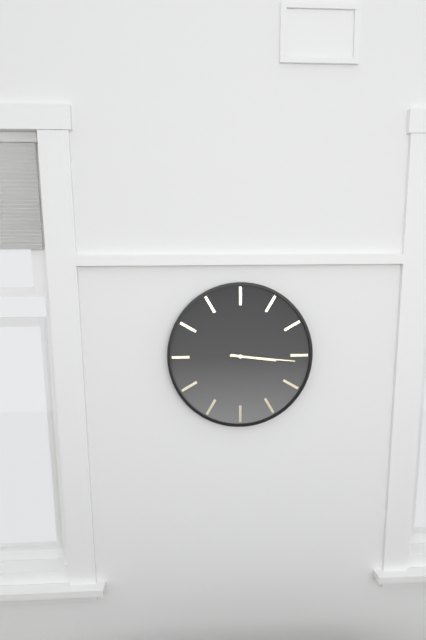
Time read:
3 h 16 min
